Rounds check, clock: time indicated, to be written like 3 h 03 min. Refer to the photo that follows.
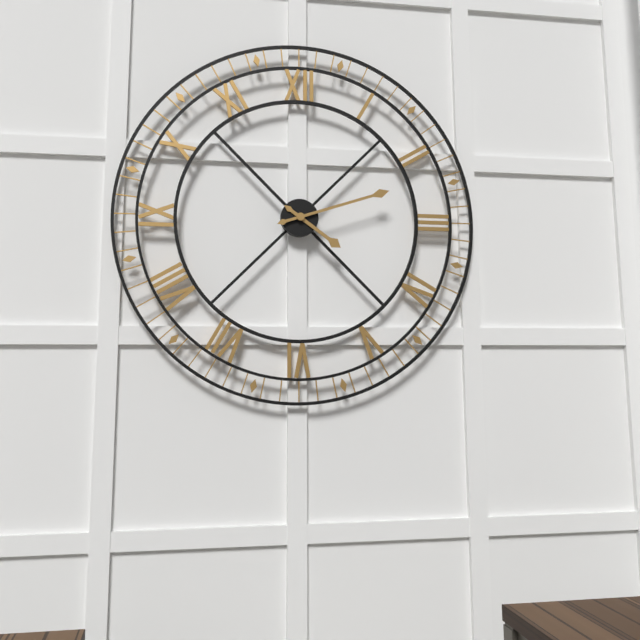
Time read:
4 h 12 min
